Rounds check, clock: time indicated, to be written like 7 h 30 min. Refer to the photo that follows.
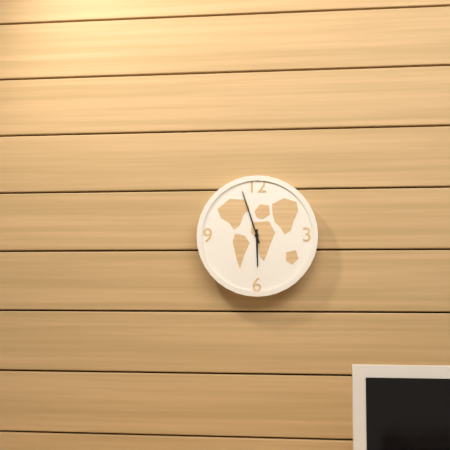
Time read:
5 h 57 min
